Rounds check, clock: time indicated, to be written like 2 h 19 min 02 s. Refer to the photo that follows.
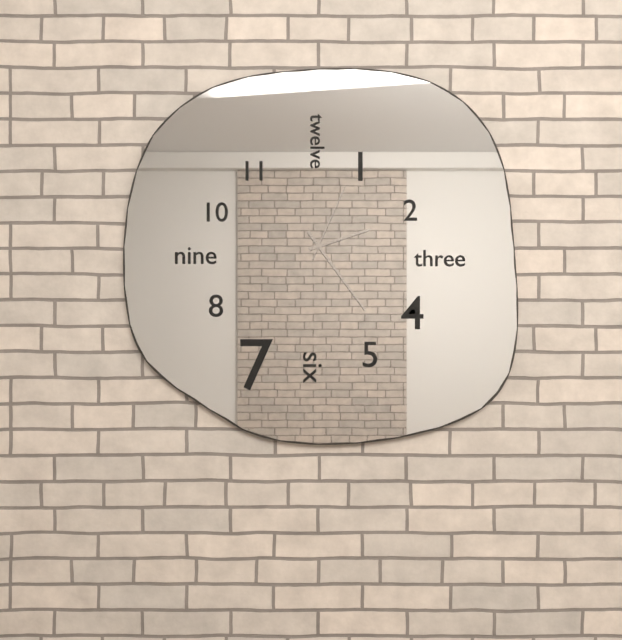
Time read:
2 h 24 min 04 s
